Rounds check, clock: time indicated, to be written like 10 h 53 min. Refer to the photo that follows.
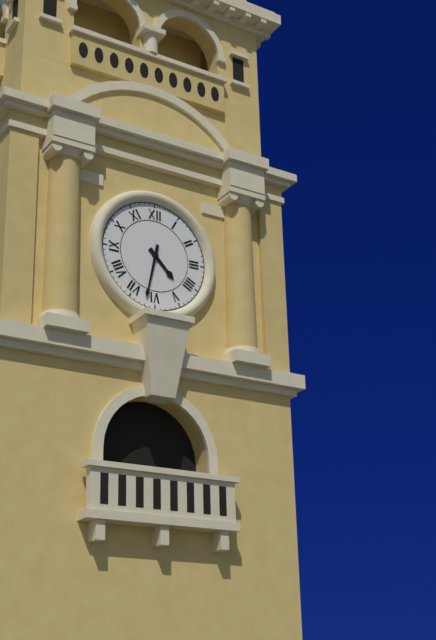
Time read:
4 h 32 min
